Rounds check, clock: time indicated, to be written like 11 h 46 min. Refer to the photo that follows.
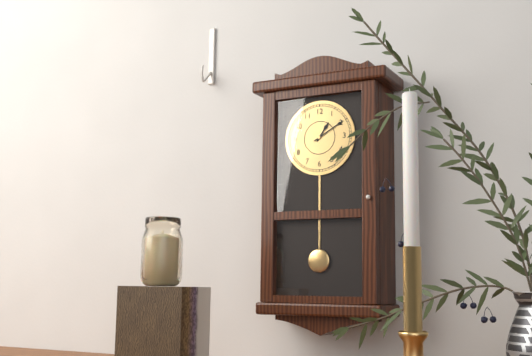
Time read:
1 h 10 min
